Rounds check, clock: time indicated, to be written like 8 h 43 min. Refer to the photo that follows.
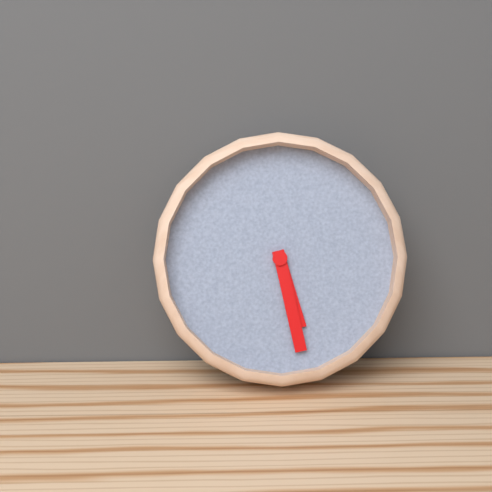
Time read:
5 h 28 min
